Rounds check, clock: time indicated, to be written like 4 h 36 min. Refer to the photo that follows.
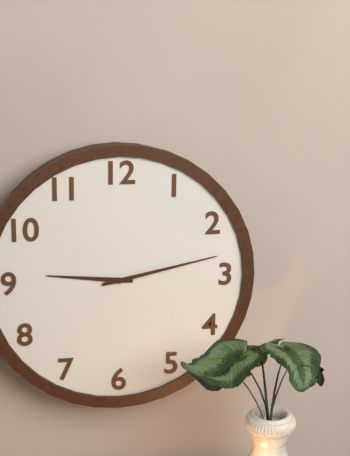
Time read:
9 h 13 min
